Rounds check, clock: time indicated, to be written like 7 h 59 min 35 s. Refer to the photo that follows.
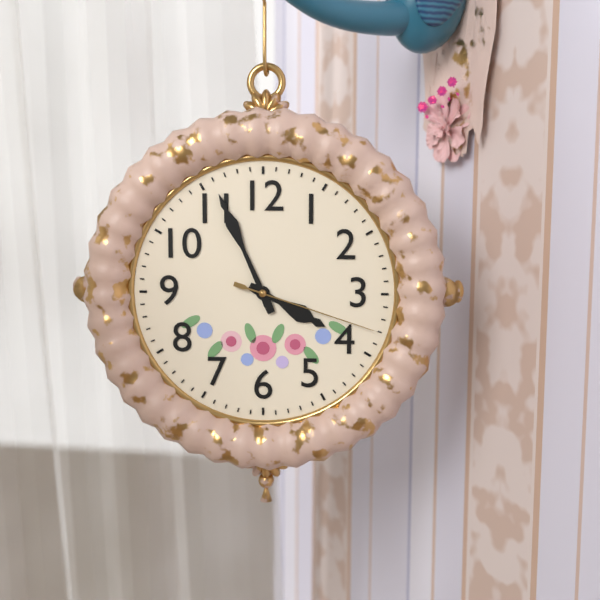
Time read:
3 h 56 min 18 s
